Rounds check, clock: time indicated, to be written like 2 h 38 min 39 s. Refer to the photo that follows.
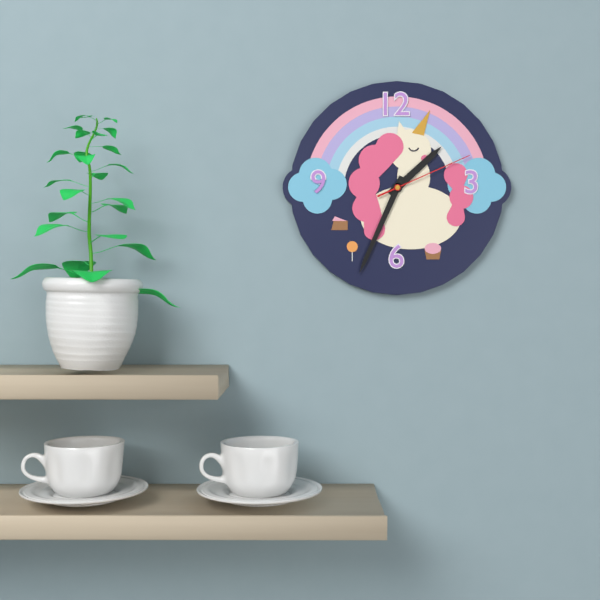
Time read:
1 h 34 min 11 s
